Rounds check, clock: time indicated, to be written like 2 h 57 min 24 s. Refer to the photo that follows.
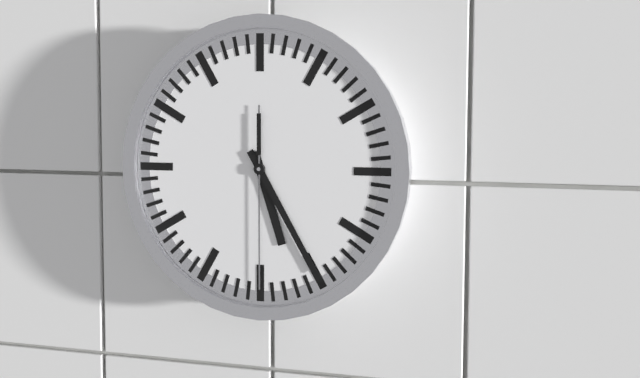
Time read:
5 h 25 min 30 s
